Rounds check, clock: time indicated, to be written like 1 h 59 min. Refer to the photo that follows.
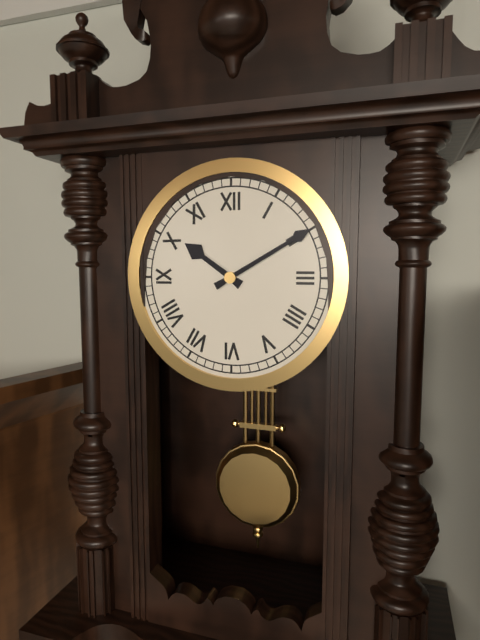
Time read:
10 h 10 min
